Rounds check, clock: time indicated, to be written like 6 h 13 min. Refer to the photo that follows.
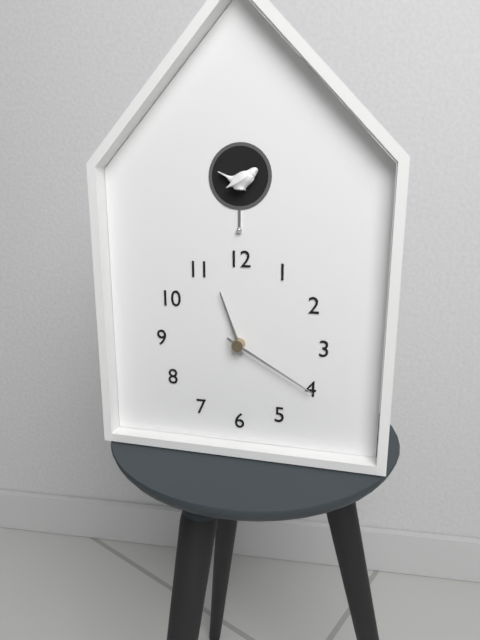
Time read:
11 h 20 min
